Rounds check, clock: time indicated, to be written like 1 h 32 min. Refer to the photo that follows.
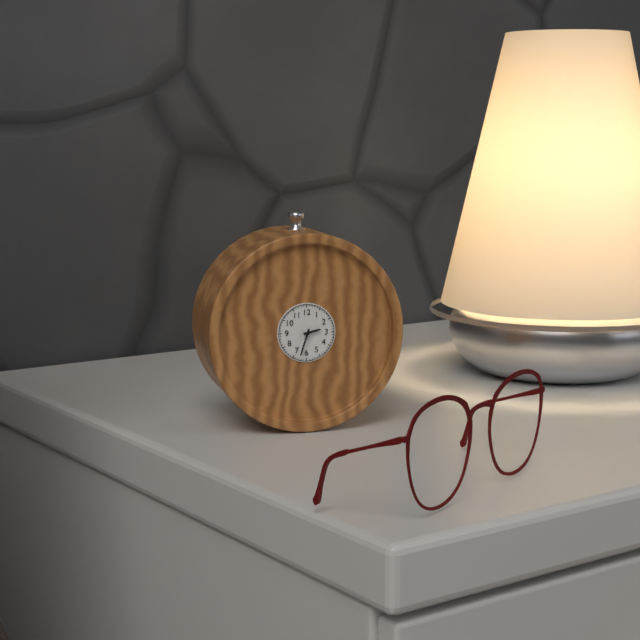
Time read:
2 h 33 min
